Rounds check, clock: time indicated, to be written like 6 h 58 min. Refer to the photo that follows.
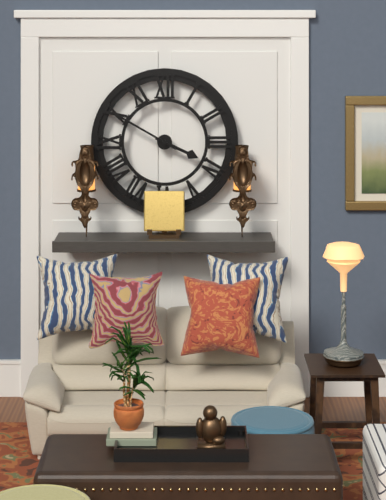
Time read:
3 h 50 min
